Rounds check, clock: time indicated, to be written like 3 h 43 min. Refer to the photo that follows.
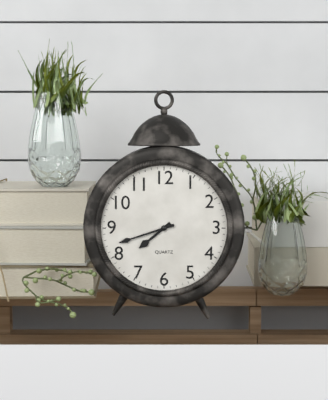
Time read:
7 h 42 min
